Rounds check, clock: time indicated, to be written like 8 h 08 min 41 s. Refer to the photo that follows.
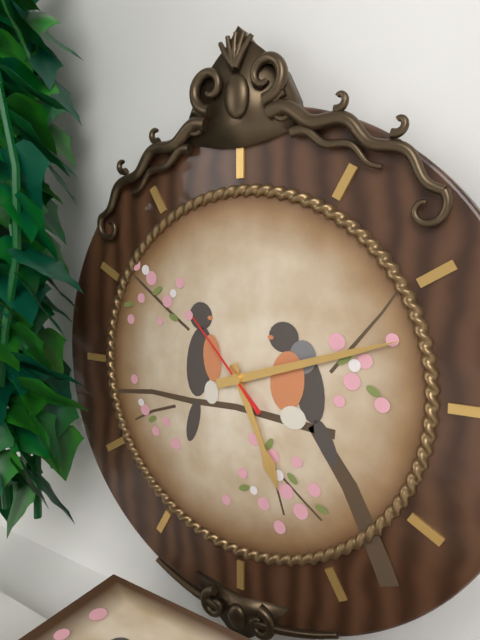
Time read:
5 h 12 min 53 s
